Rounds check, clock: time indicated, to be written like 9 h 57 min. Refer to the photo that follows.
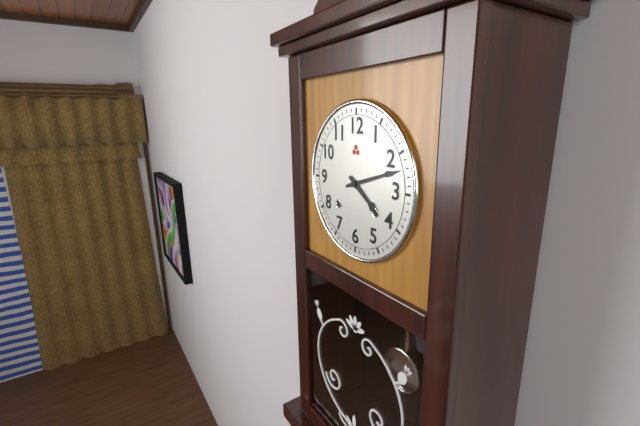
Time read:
4 h 12 min
